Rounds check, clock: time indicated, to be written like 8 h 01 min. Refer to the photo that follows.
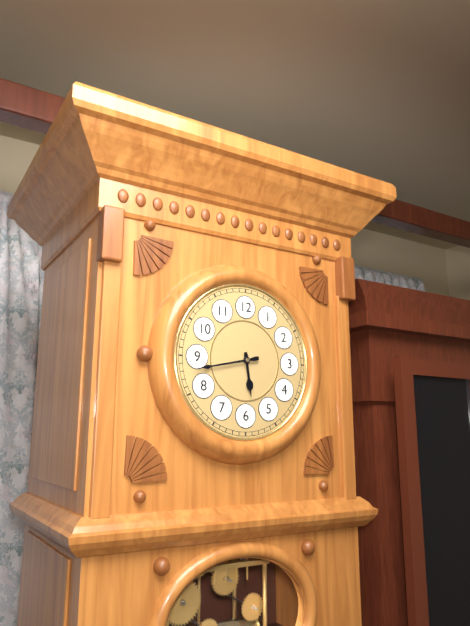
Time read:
5 h 43 min
